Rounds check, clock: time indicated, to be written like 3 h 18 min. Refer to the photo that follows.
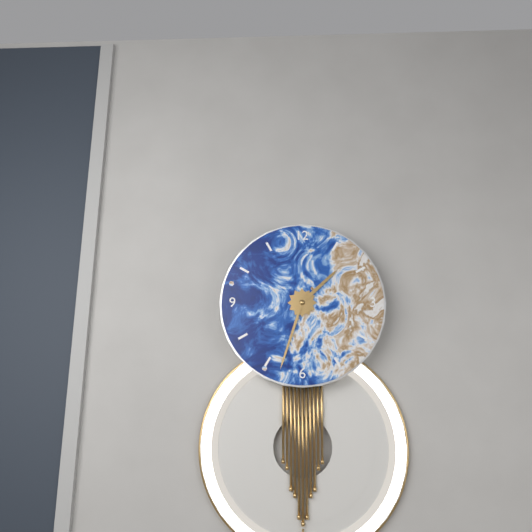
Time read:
1 h 33 min
